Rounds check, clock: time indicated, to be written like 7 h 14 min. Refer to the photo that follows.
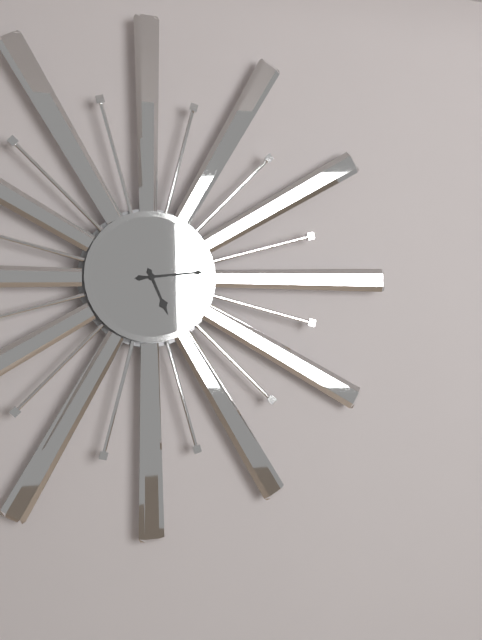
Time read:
5 h 14 min
